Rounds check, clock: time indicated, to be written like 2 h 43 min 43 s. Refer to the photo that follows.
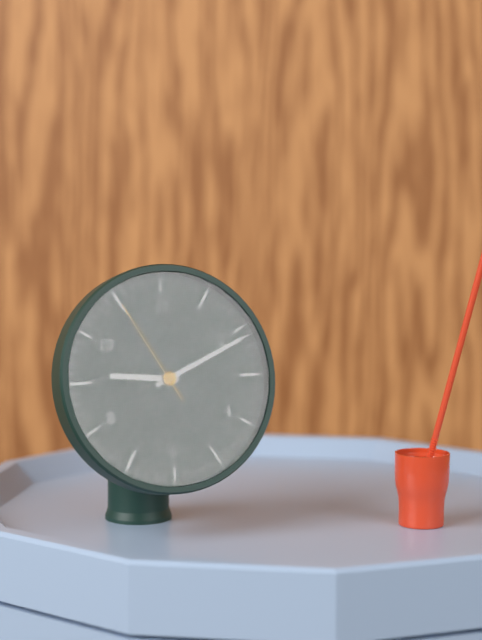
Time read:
9 h 11 min 55 s
